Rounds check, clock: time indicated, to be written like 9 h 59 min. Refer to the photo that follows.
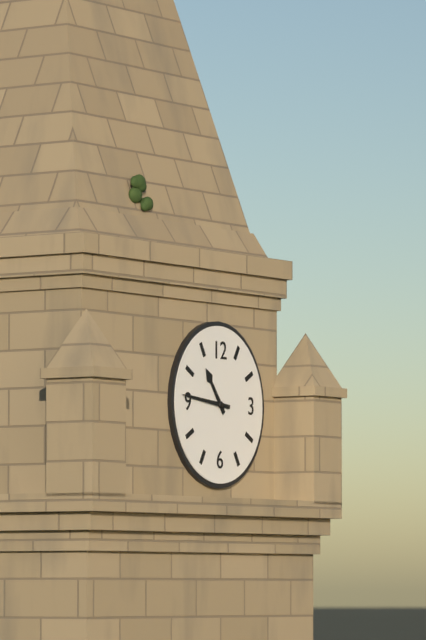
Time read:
10 h 46 min
